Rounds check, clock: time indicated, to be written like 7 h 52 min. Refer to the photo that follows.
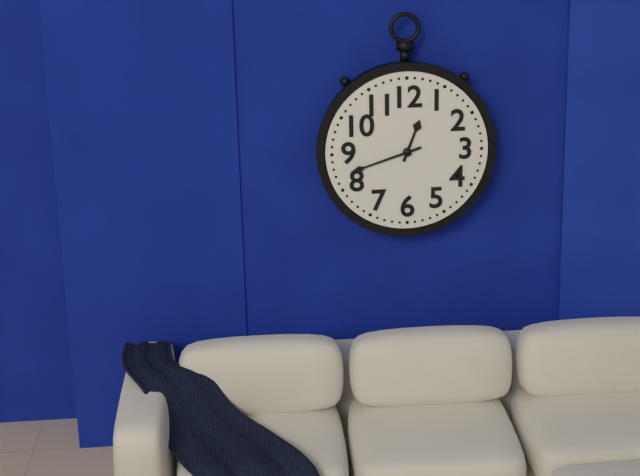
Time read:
12 h 42 min
